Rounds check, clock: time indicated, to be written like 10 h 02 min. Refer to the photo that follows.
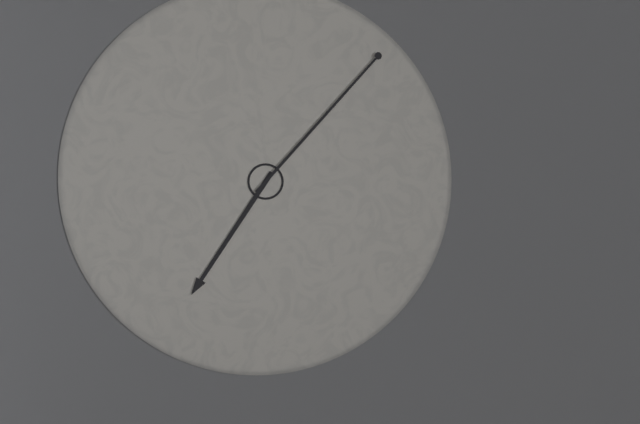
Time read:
7 h 07 min
